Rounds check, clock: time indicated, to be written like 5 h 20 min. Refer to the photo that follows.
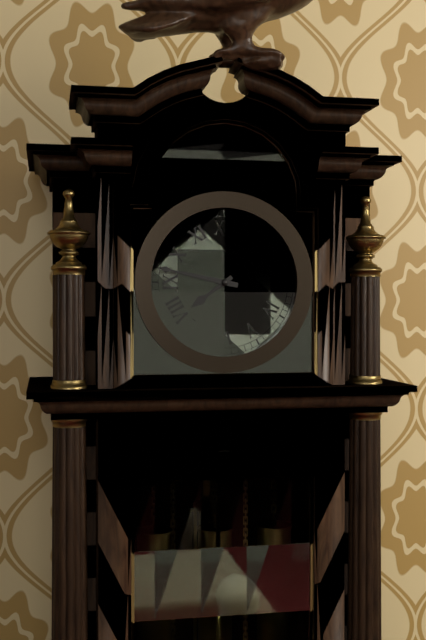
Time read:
7 h 47 min
